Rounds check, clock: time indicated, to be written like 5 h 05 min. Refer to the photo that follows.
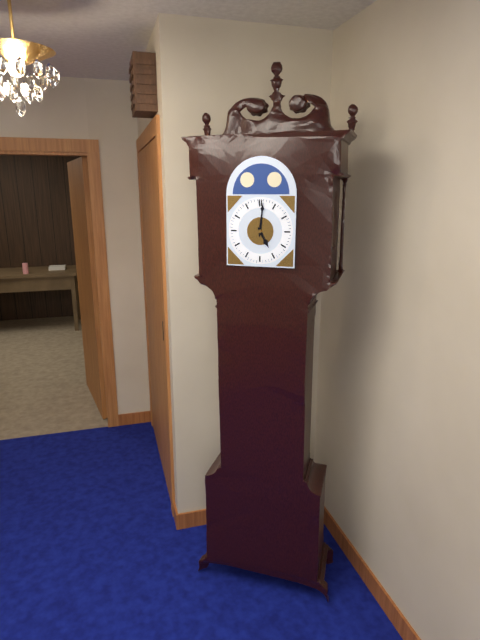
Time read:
5 h 01 min
